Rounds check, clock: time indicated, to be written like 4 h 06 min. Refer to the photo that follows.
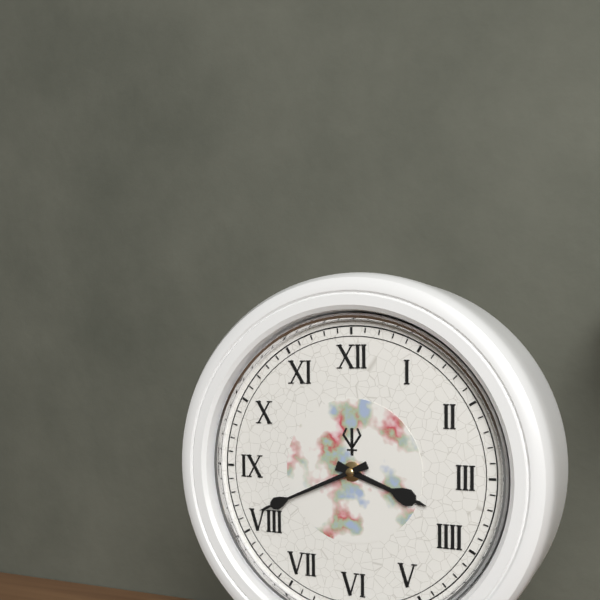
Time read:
3 h 41 min
